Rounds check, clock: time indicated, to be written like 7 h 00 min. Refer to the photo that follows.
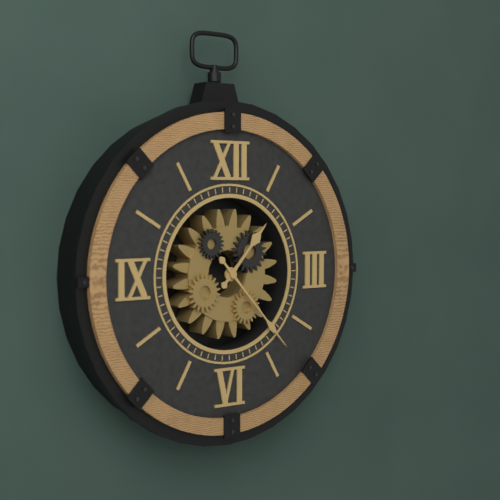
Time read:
1 h 23 min
